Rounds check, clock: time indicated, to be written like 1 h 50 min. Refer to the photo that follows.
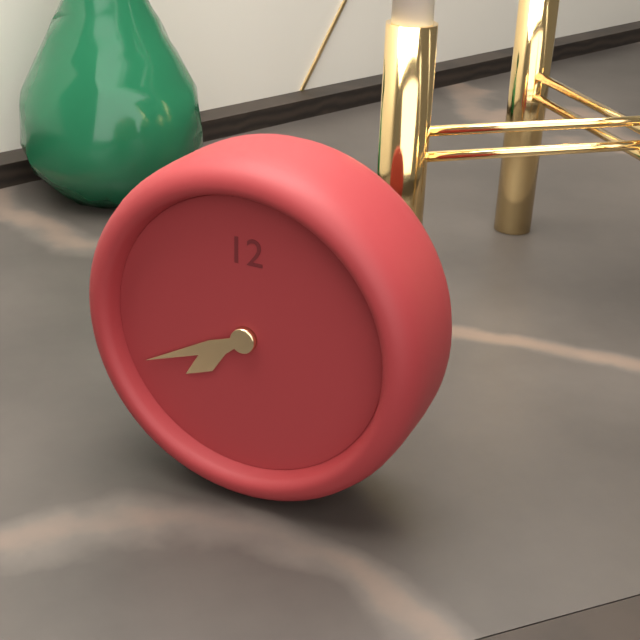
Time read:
7 h 41 min
